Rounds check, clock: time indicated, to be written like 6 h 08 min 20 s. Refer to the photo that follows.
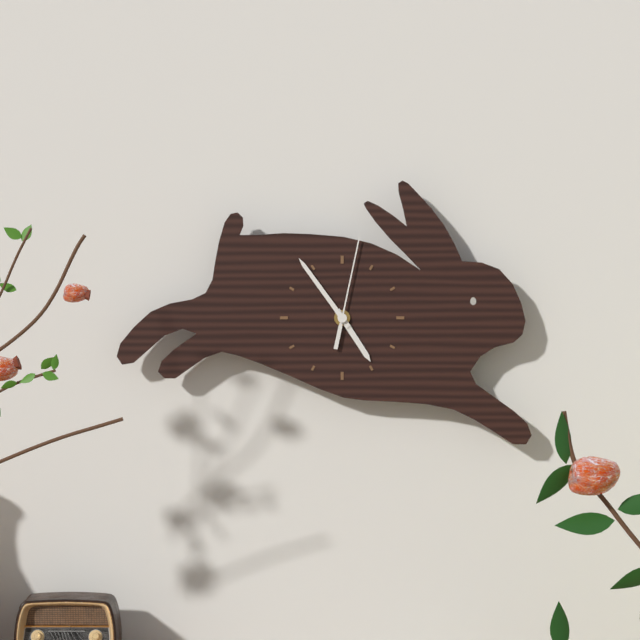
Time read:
4 h 54 min 02 s
